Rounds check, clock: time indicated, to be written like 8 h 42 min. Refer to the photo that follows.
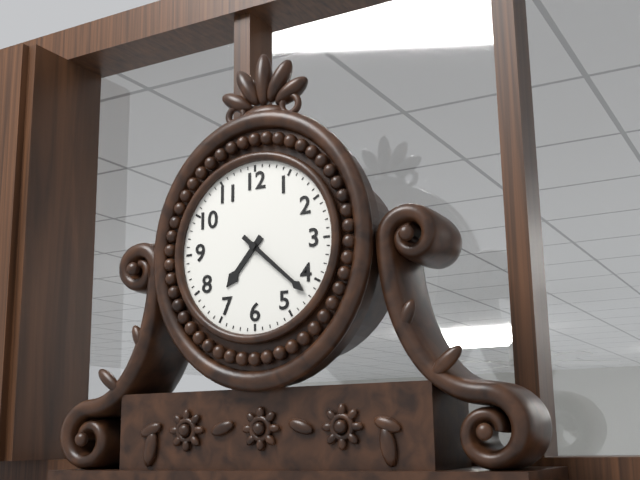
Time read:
7 h 22 min
